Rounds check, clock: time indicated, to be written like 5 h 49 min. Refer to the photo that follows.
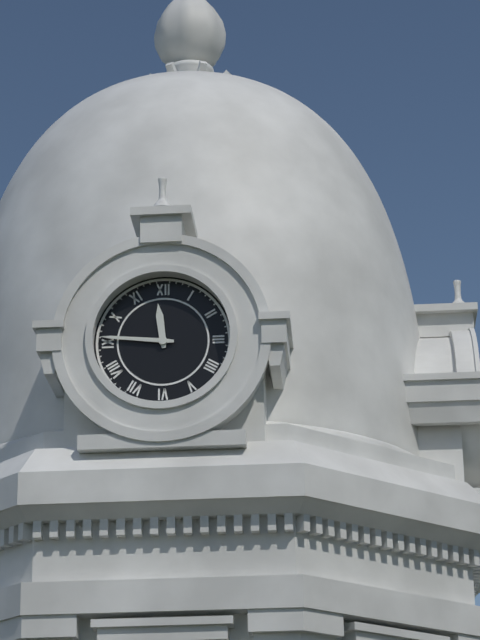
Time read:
11 h 46 min
